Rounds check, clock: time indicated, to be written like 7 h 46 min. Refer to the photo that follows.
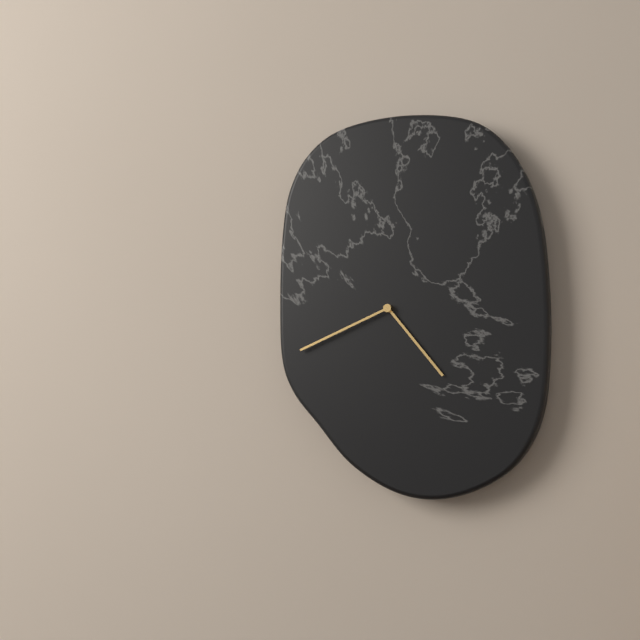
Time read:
4 h 41 min
